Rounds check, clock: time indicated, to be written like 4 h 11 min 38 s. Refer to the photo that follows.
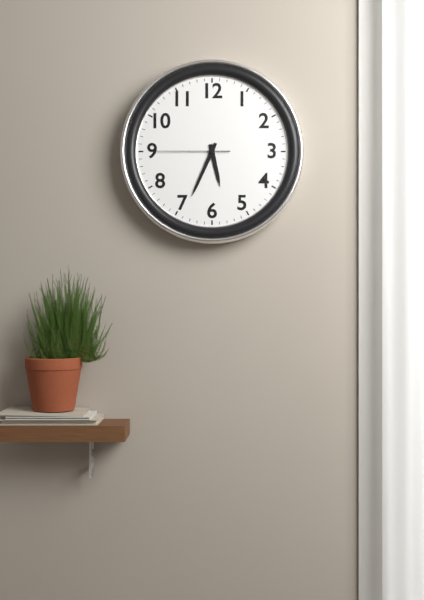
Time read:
5 h 34 min 45 s
